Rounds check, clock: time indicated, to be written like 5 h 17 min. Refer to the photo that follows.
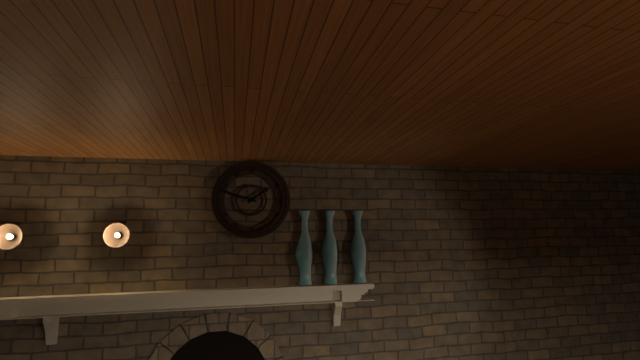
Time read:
1 h 48 min
